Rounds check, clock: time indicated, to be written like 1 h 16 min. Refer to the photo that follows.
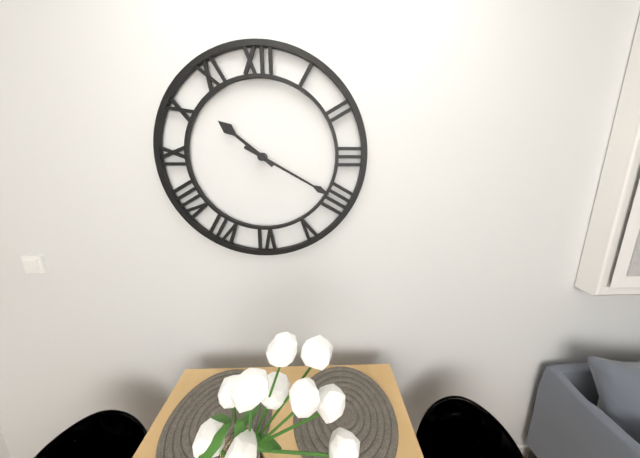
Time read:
10 h 20 min
